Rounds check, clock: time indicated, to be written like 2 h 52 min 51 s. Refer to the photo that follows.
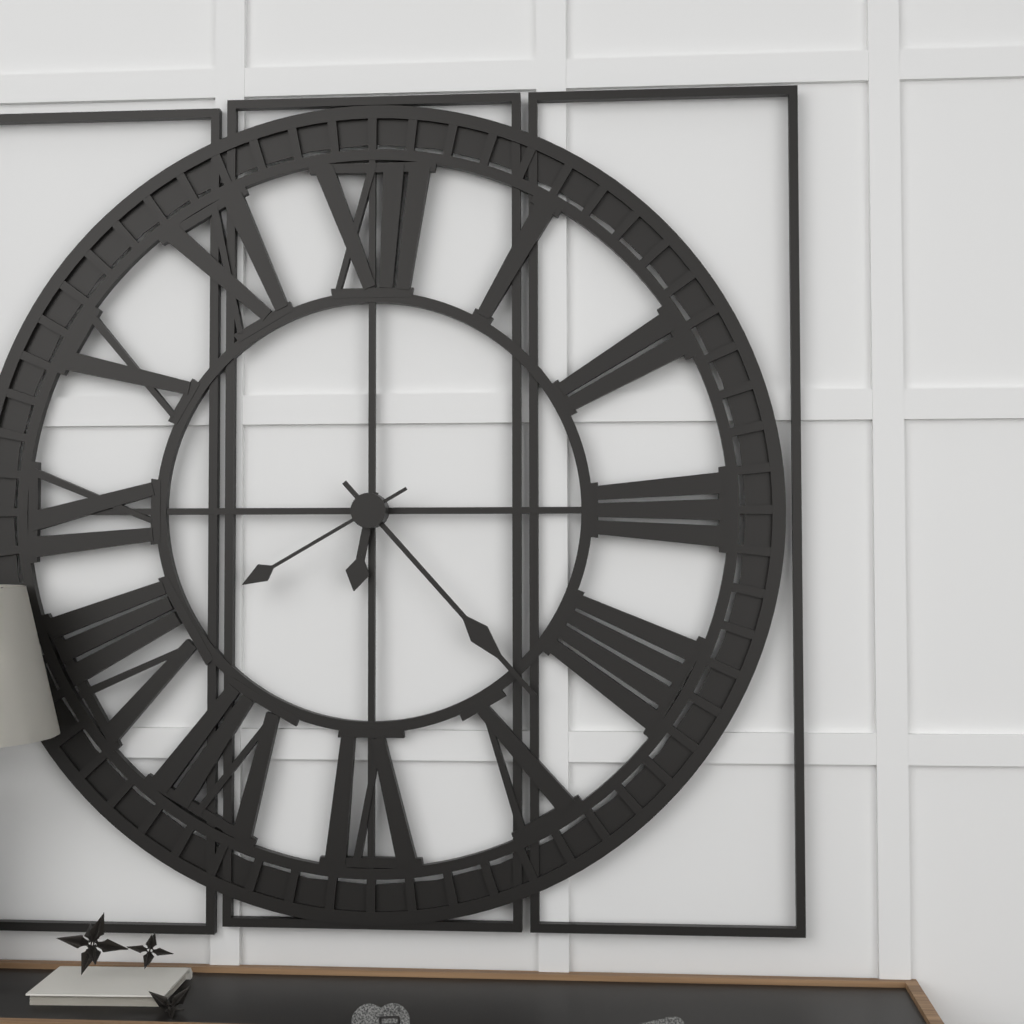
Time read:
6 h 23 min 40 s
